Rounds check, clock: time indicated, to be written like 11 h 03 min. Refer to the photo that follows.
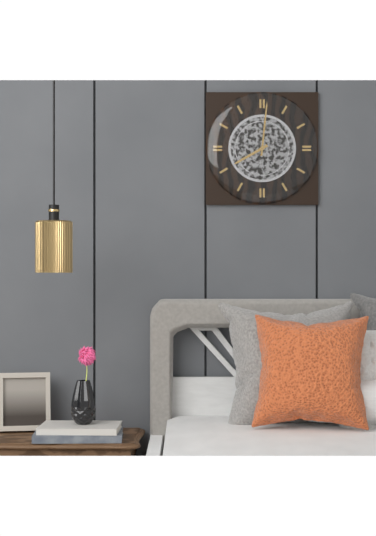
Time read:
8 h 01 min
